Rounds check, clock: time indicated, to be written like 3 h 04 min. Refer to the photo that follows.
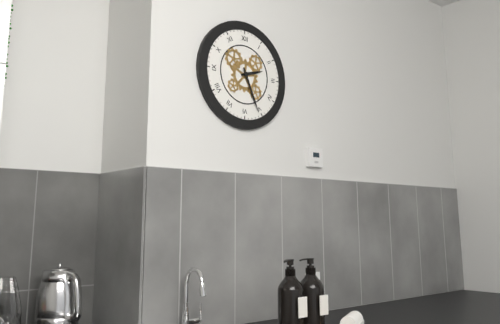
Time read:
2 h 26 min
